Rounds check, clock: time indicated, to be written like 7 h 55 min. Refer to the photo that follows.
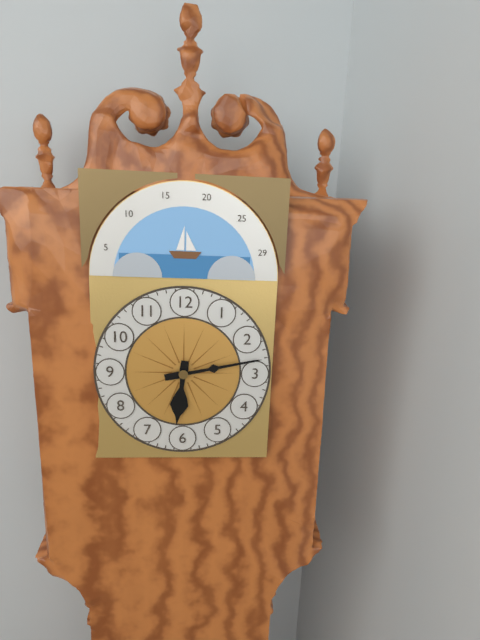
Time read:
6 h 13 min
